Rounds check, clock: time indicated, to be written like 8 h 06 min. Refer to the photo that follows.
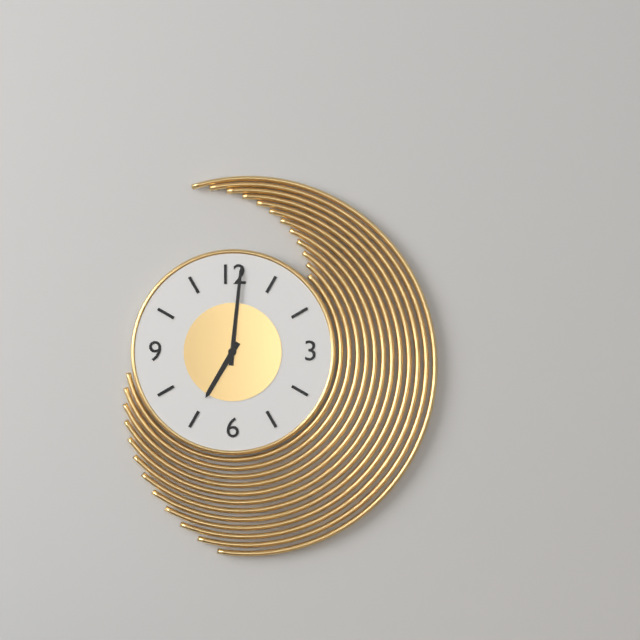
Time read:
7 h 01 min
